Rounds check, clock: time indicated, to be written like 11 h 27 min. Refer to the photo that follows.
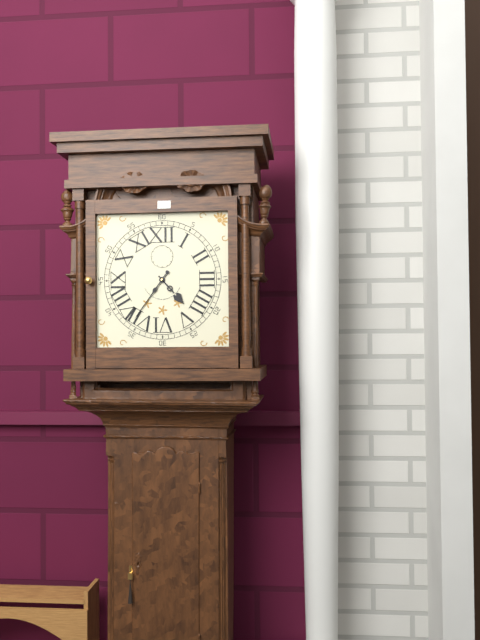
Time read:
4 h 36 min
